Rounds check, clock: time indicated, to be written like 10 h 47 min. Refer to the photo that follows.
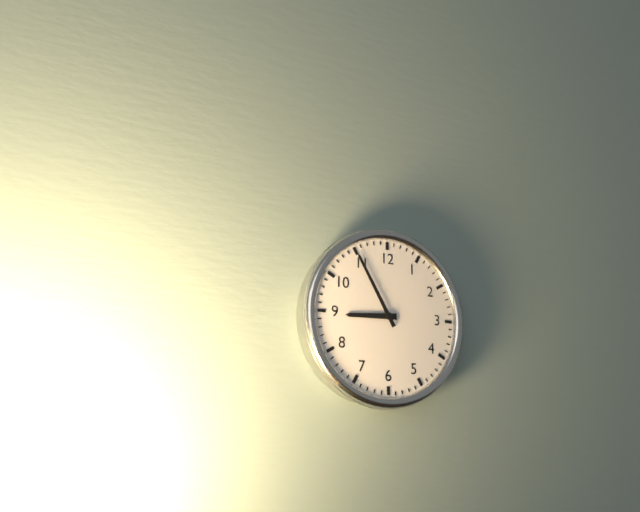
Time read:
8 h 55 min
